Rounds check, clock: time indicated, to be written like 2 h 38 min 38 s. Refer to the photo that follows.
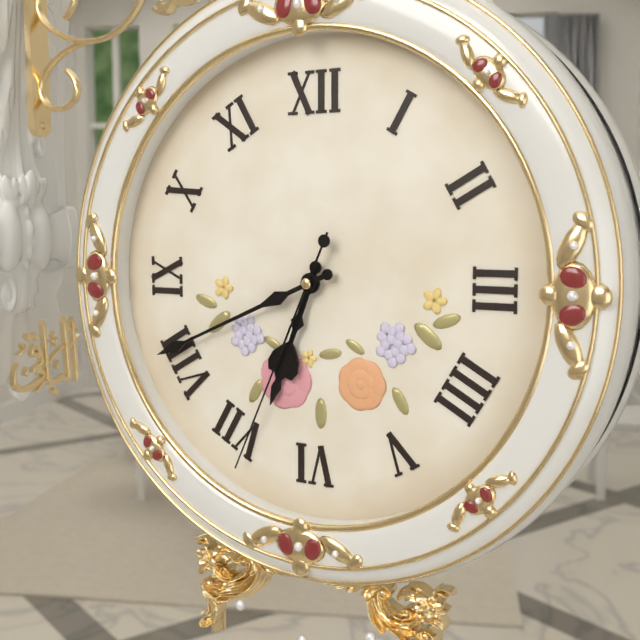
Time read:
6 h 41 min 34 s
